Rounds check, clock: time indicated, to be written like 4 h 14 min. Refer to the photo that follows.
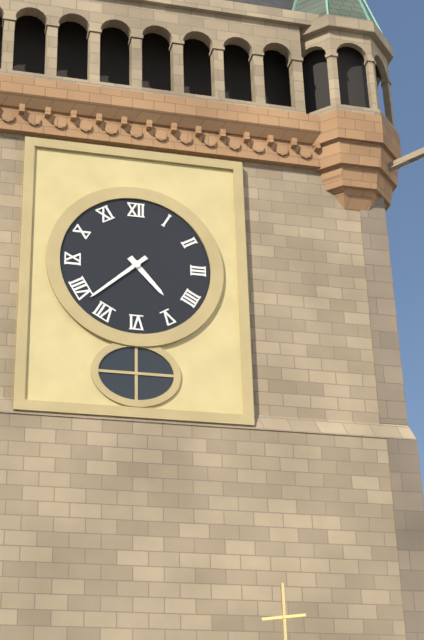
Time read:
4 h 38 min
